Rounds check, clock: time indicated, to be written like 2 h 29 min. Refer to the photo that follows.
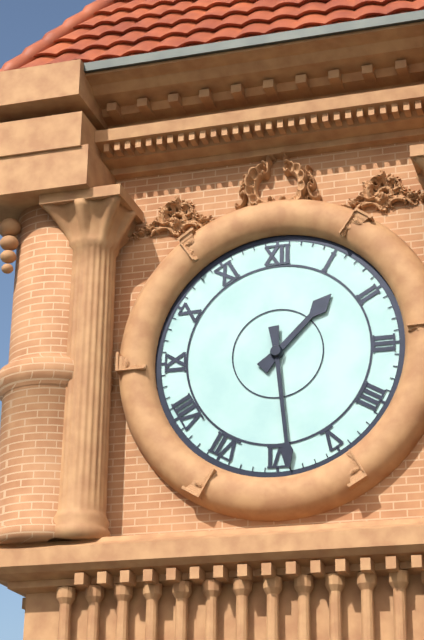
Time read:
1 h 29 min
